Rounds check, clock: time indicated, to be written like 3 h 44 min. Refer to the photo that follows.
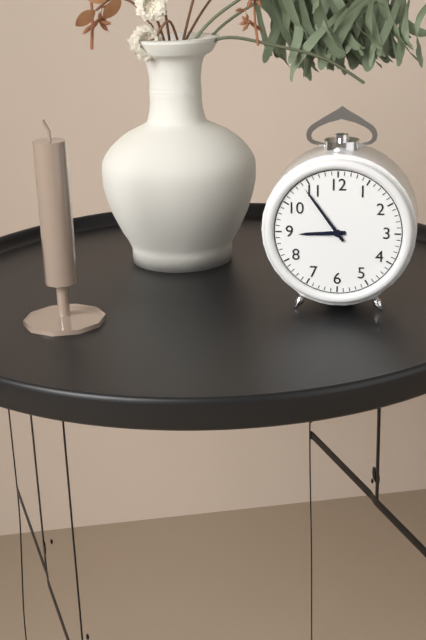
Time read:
8 h 54 min
